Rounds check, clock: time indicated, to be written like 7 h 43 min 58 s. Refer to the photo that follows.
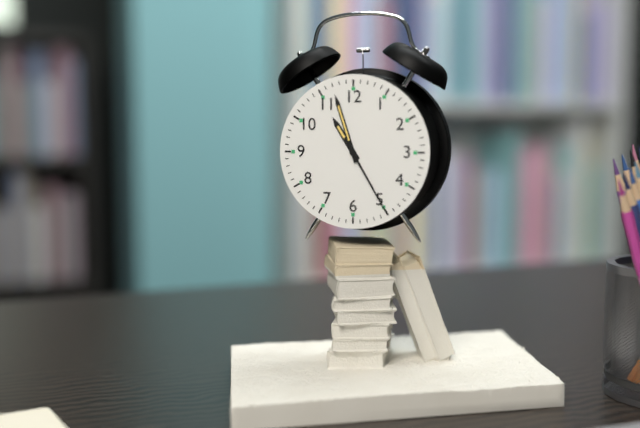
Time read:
10 h 57 min 25 s
